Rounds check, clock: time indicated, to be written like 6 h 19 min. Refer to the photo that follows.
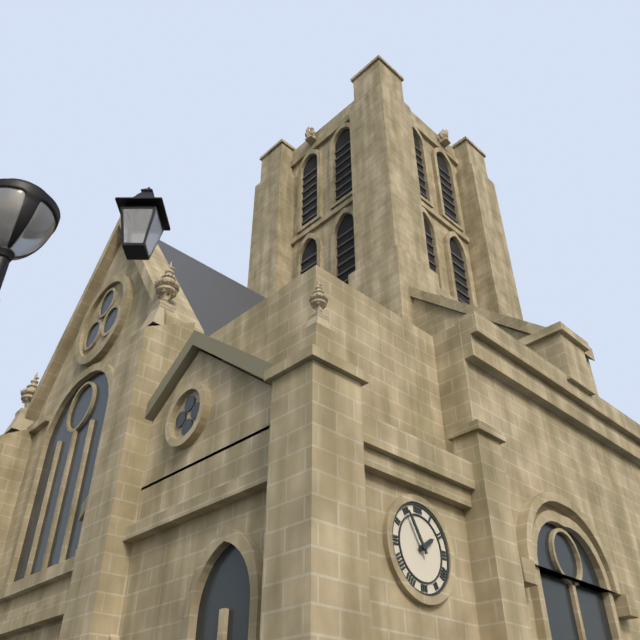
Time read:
1 h 55 min
